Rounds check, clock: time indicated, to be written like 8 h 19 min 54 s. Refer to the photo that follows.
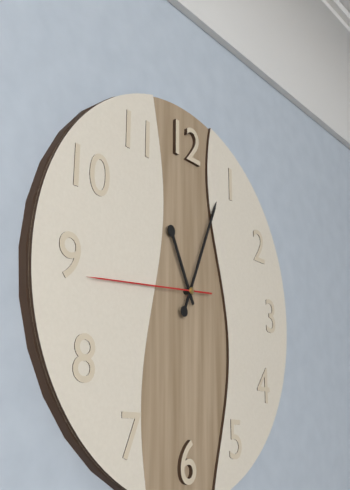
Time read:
11 h 04 min 44 s
